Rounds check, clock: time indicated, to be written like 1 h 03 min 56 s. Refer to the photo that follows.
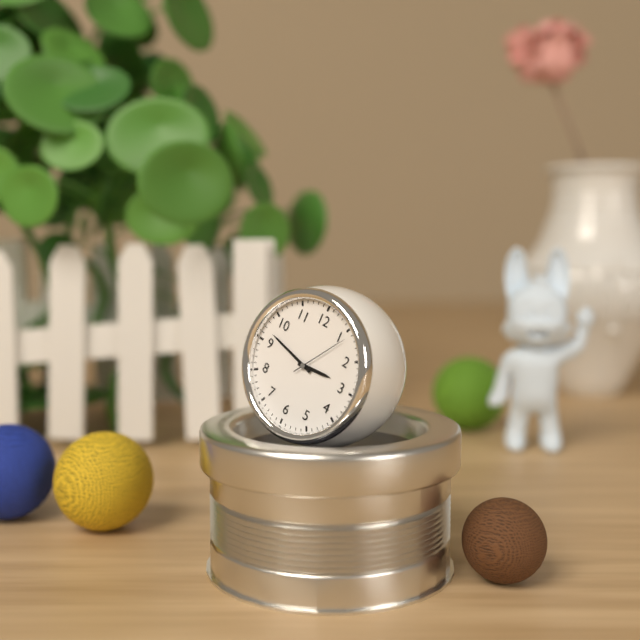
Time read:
2 h 47 min 06 s
